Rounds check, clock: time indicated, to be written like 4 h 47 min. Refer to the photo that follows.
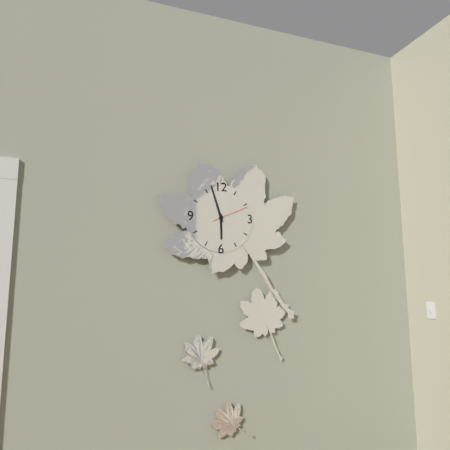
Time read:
5 h 57 min
